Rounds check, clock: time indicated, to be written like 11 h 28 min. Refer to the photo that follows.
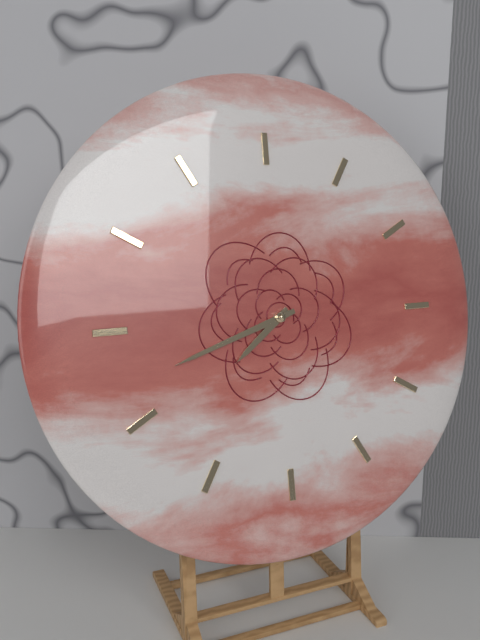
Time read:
7 h 42 min
